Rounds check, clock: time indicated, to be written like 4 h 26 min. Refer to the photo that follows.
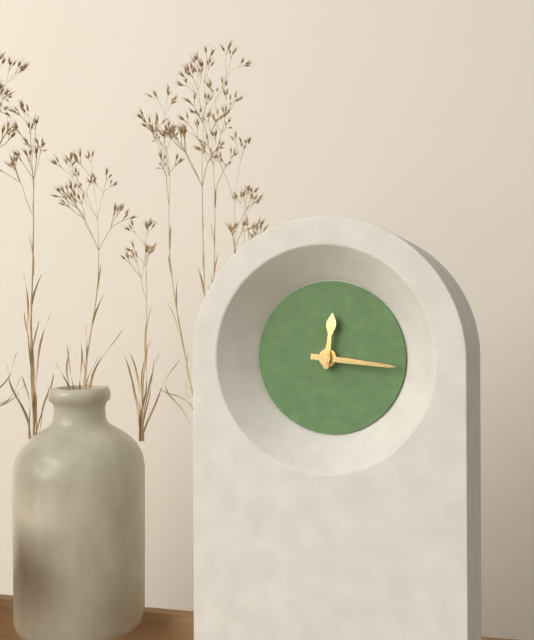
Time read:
12 h 16 min
